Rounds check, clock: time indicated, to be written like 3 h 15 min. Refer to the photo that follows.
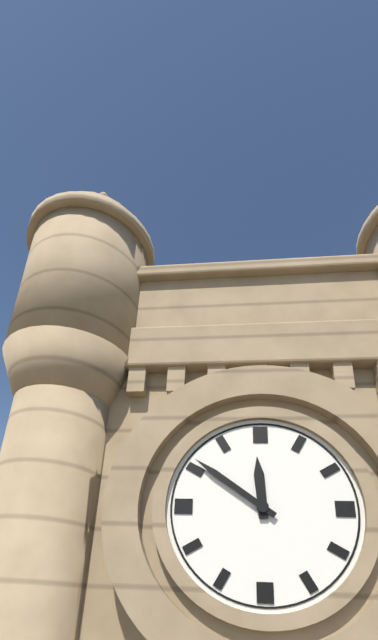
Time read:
11 h 51 min
